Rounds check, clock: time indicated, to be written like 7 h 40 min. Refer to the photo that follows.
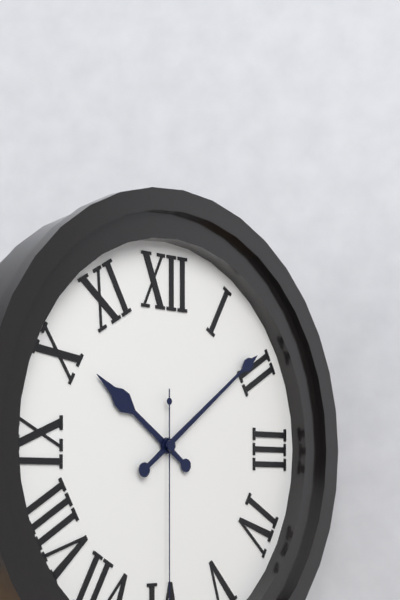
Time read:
10 h 09 min
